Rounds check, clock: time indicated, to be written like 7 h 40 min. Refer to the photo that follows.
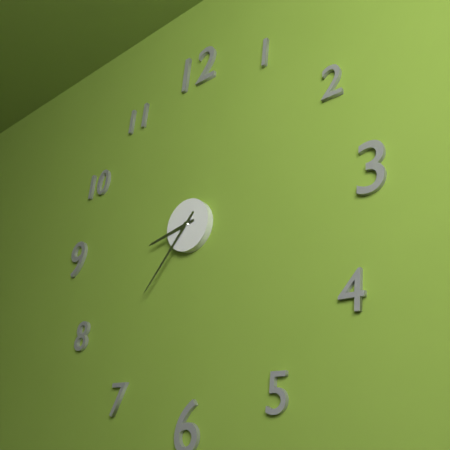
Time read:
8 h 37 min
